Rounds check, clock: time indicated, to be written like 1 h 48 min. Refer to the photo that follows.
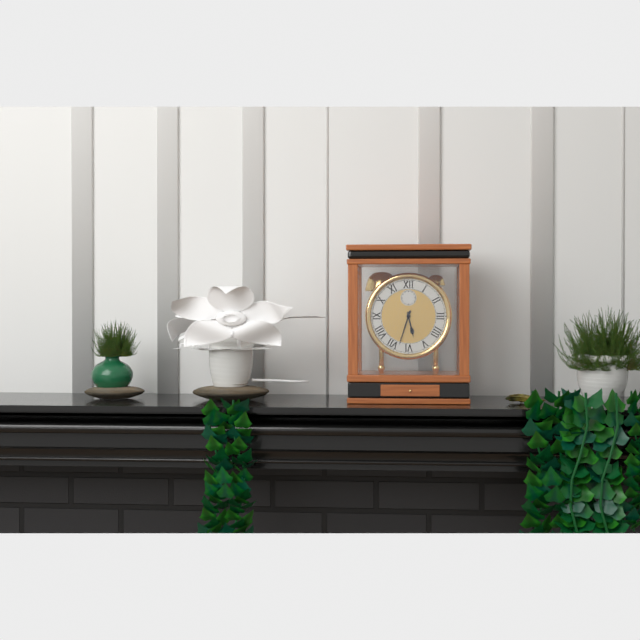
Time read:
5 h 33 min
